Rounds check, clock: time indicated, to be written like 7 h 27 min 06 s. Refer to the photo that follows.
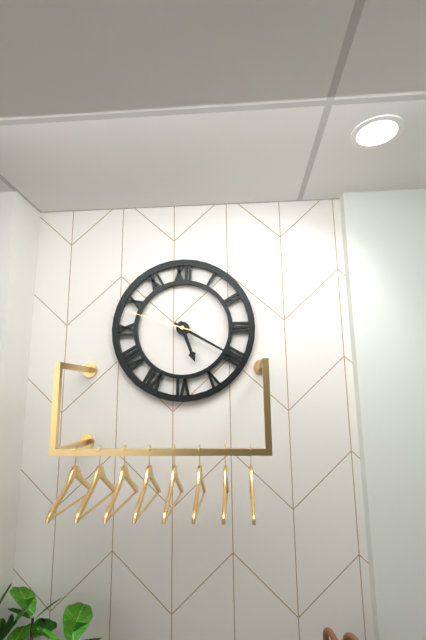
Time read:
5 h 20 min 48 s
